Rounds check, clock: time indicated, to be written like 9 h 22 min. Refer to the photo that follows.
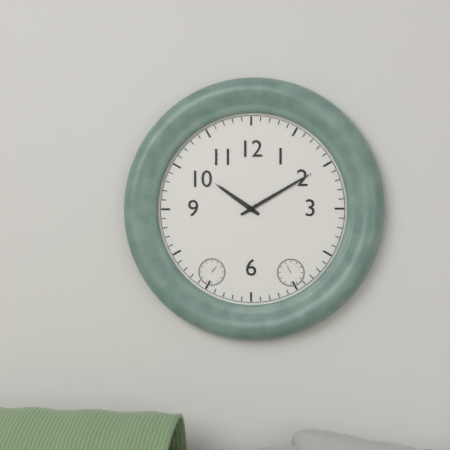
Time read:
10 h 10 min
